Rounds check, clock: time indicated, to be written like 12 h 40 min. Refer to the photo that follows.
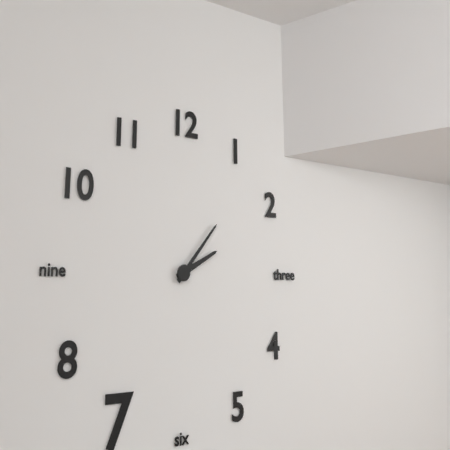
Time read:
2 h 07 min
